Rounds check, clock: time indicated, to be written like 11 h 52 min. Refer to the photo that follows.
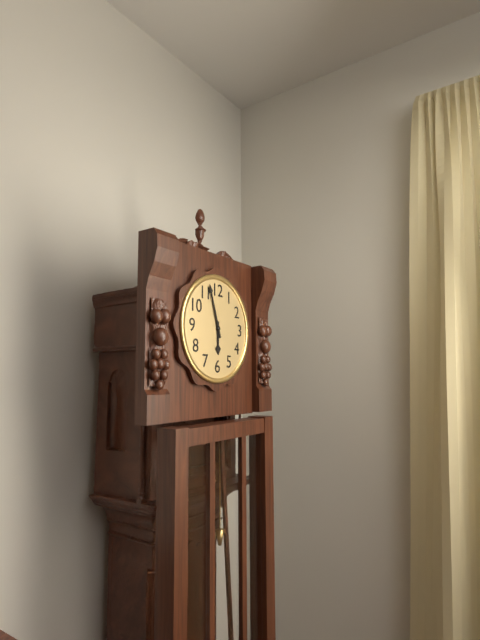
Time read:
5 h 57 min
